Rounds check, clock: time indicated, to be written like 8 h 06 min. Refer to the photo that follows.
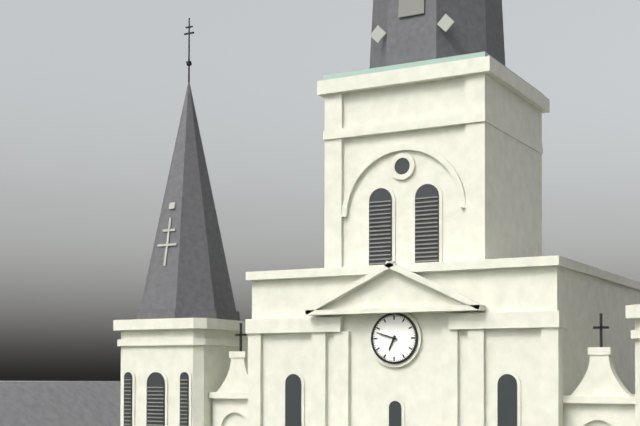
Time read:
6 h 48 min
